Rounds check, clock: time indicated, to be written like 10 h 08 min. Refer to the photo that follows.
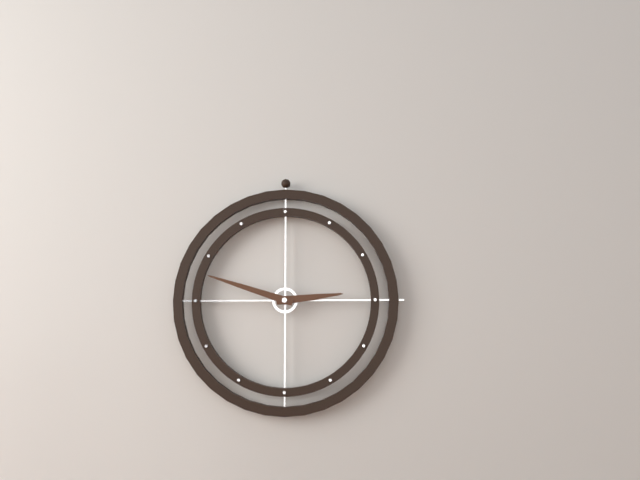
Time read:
2 h 48 min
